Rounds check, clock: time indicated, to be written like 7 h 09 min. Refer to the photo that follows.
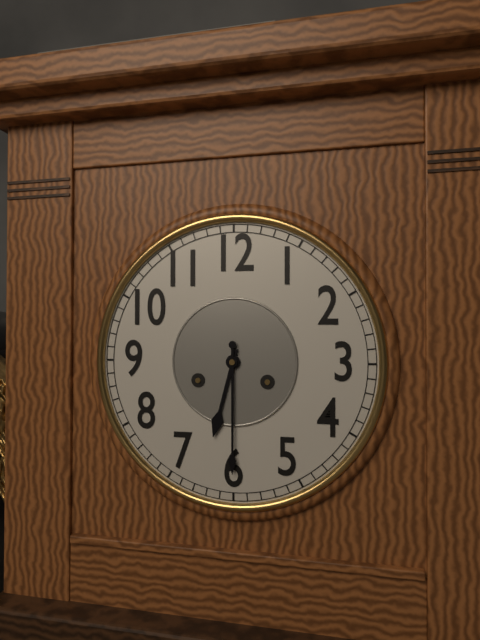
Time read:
6 h 30 min
